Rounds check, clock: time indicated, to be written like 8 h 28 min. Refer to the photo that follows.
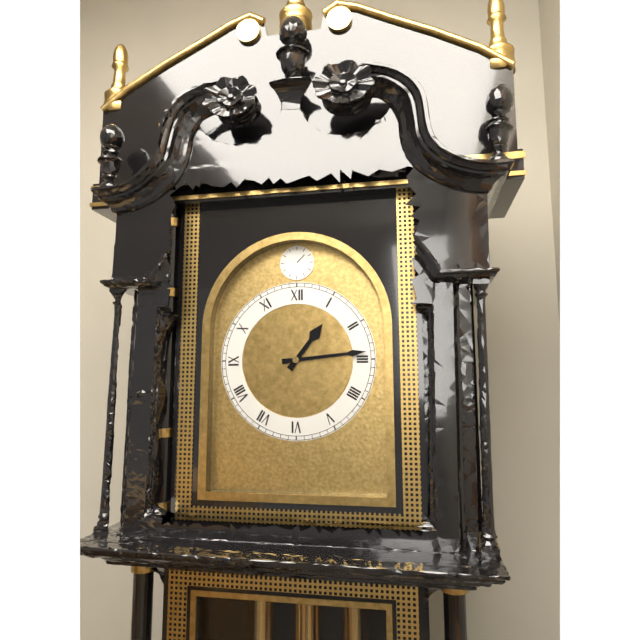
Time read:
1 h 14 min
